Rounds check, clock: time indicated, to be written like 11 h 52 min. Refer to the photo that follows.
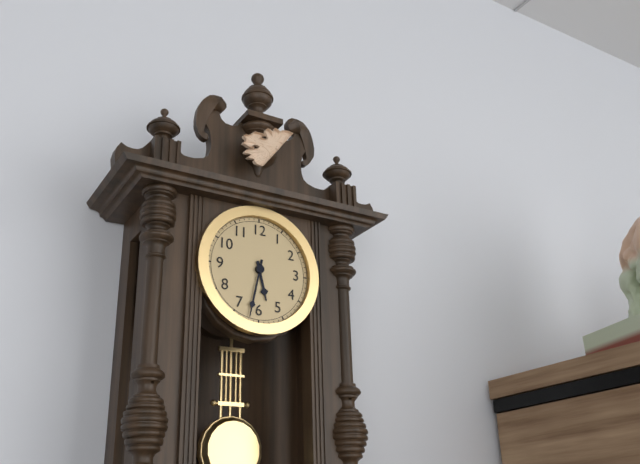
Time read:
5 h 32 min
